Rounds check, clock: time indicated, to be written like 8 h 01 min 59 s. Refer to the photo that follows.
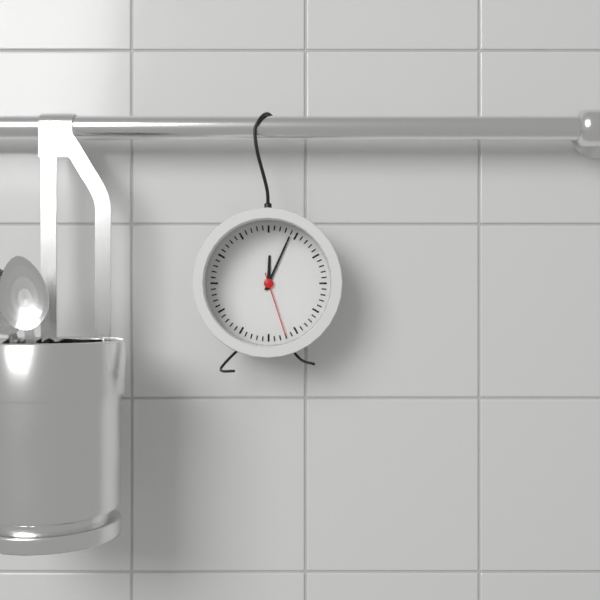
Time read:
12 h 04 min 27 s
